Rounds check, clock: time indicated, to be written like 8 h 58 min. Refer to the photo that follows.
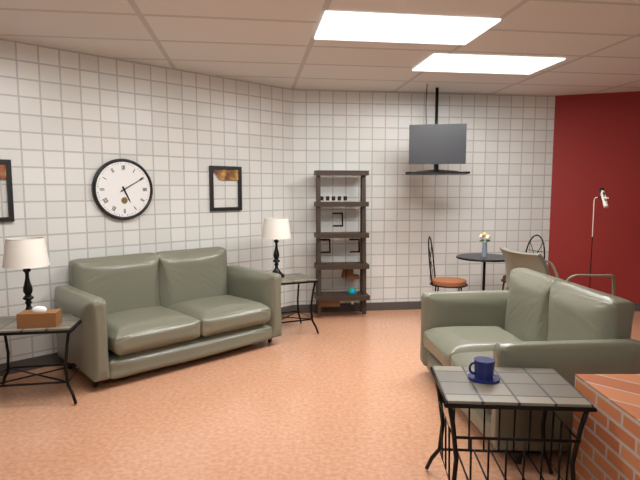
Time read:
5 h 10 min
